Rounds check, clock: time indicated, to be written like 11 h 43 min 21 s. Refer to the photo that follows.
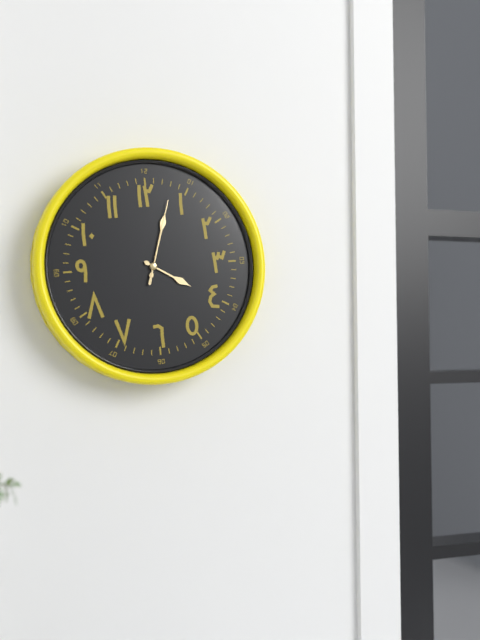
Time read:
4 h 03 min 03 s
